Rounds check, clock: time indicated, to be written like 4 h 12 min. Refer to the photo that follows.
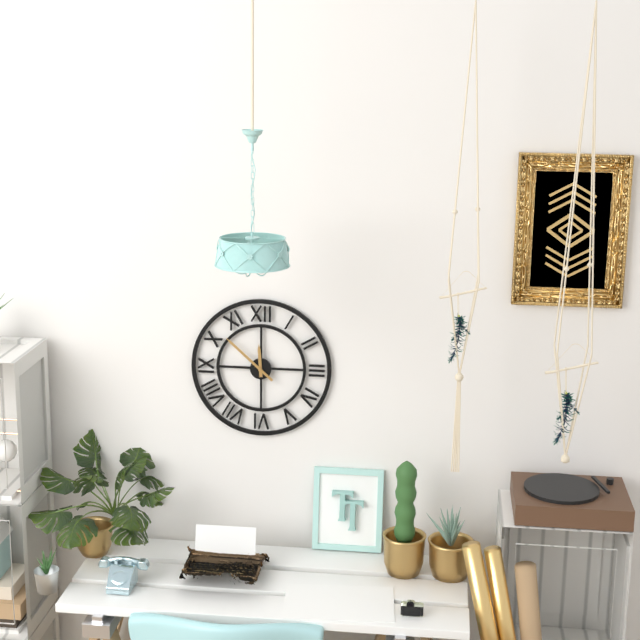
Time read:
11 h 52 min
